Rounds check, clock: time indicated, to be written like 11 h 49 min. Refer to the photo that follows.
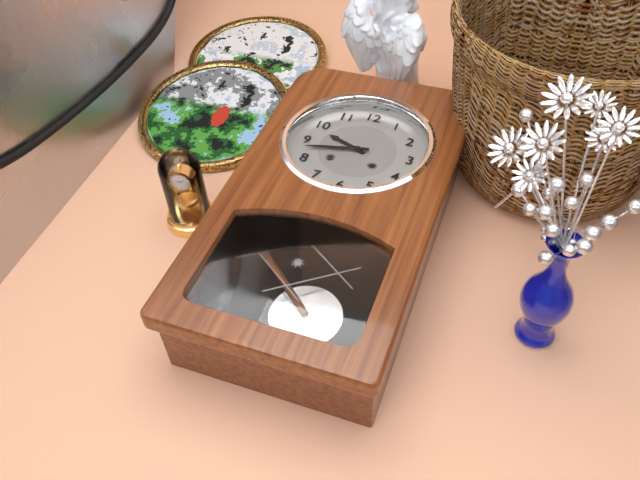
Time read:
9 h 43 min
